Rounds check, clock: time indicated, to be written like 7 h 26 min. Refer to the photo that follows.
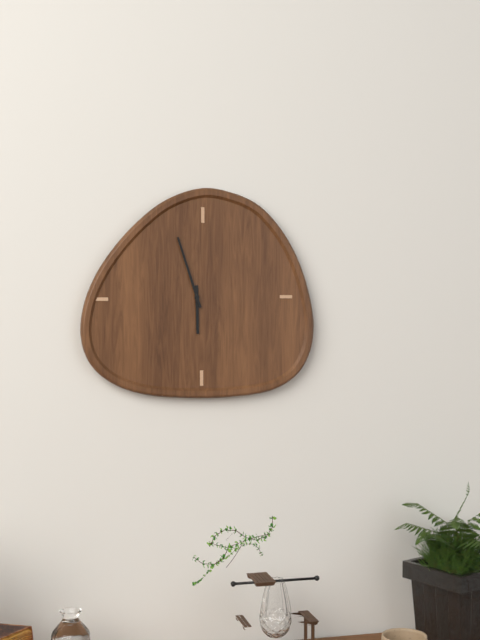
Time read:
5 h 57 min
